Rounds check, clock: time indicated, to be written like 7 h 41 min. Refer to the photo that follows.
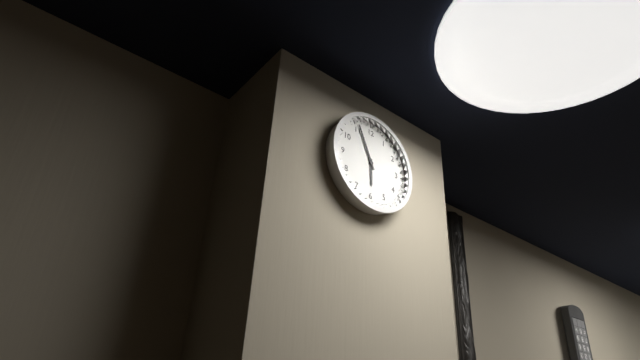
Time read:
5 h 56 min
